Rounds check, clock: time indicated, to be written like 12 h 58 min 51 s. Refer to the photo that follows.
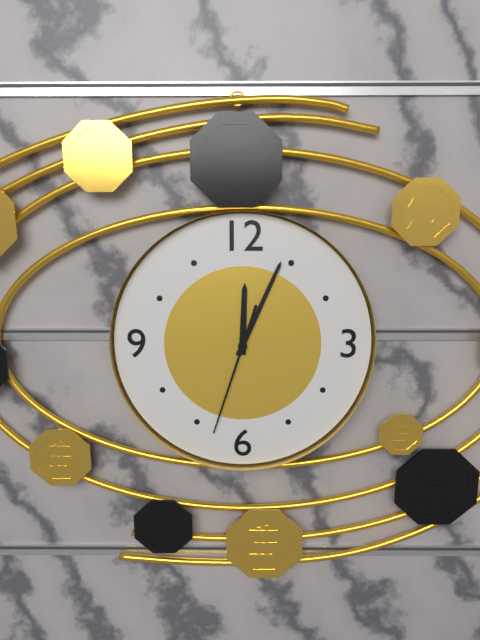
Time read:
12 h 04 min 33 s
